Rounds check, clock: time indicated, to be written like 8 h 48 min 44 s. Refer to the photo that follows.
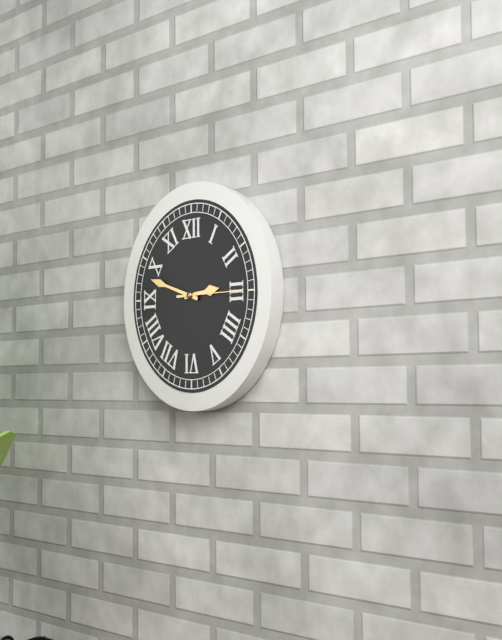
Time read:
2 h 48 min 15 s
